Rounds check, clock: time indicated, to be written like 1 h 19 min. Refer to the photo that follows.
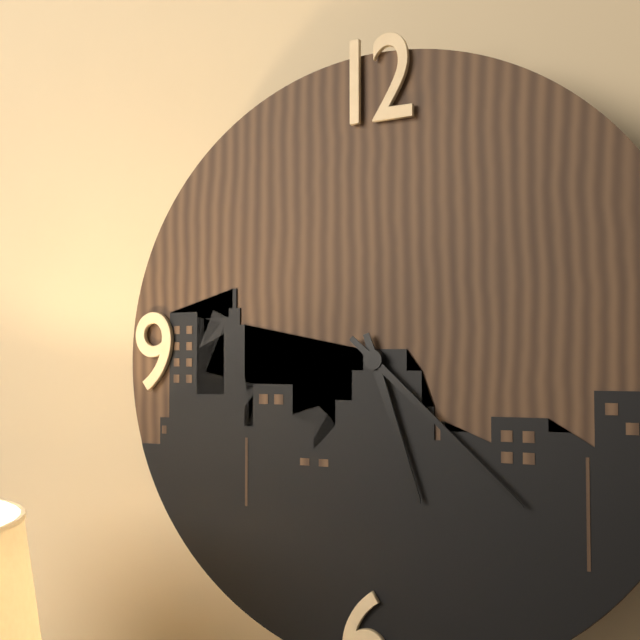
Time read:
5 h 22 min
